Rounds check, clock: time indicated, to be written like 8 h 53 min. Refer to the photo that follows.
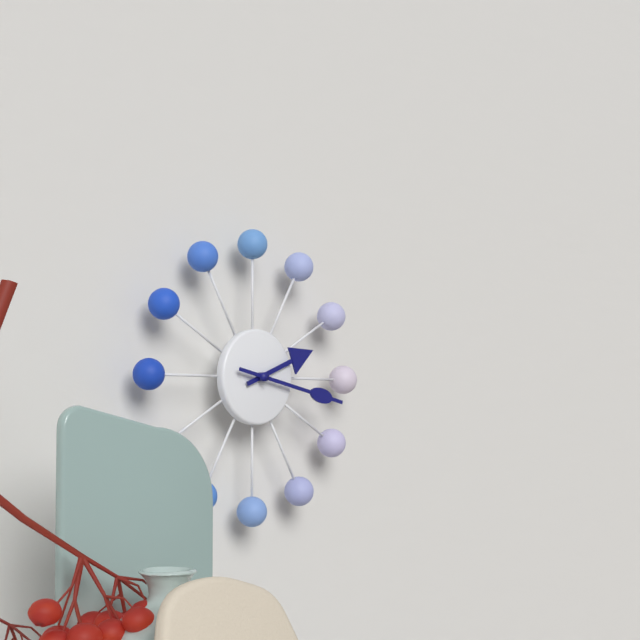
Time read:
2 h 17 min
